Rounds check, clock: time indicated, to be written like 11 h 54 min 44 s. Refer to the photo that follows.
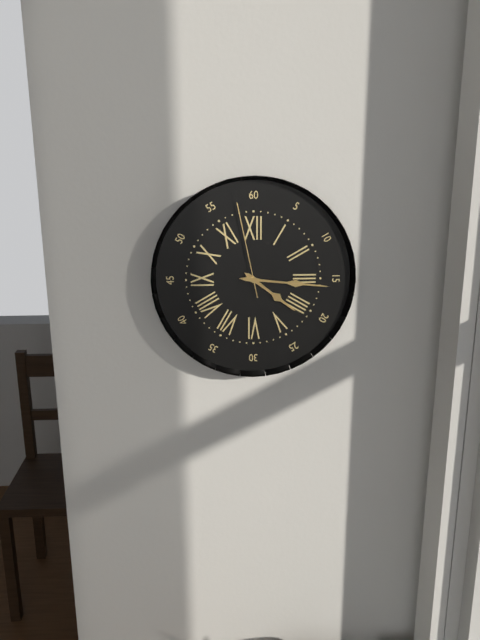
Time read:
4 h 16 min 58 s
